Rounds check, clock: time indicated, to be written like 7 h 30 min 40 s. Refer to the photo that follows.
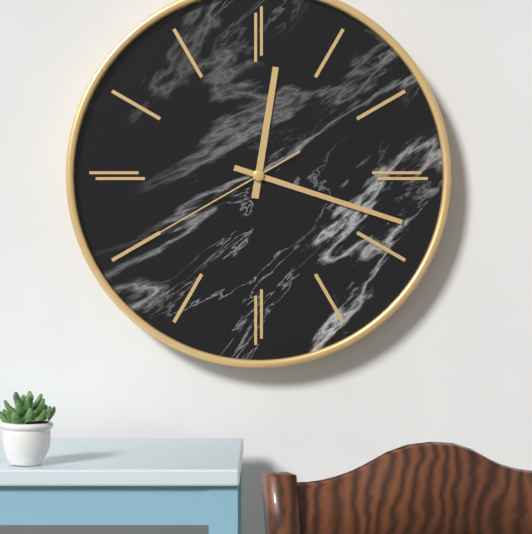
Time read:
12 h 18 min 40 s
